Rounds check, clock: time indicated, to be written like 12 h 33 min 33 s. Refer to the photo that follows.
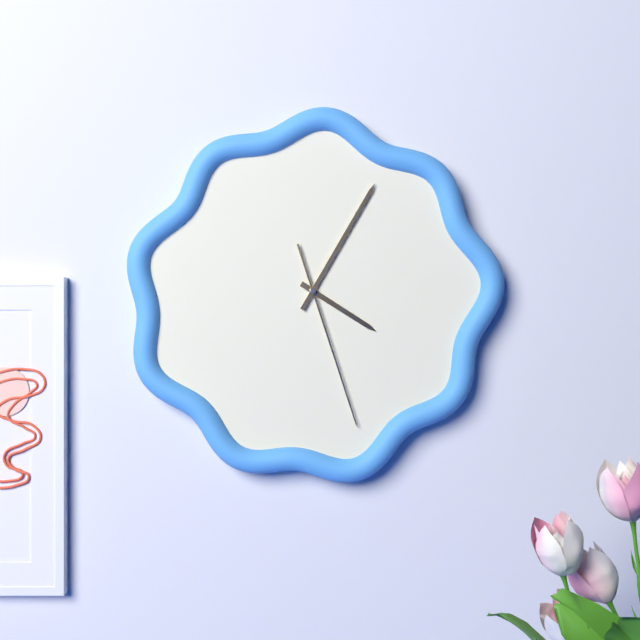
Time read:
4 h 05 min 27 s
